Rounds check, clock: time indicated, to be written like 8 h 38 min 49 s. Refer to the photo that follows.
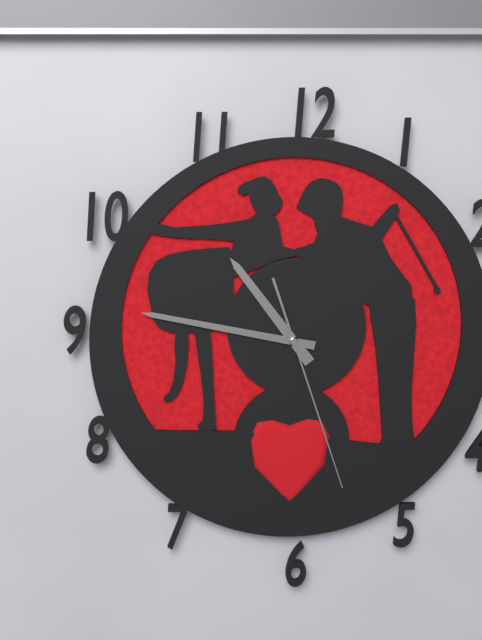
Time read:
10 h 47 min 27 s
